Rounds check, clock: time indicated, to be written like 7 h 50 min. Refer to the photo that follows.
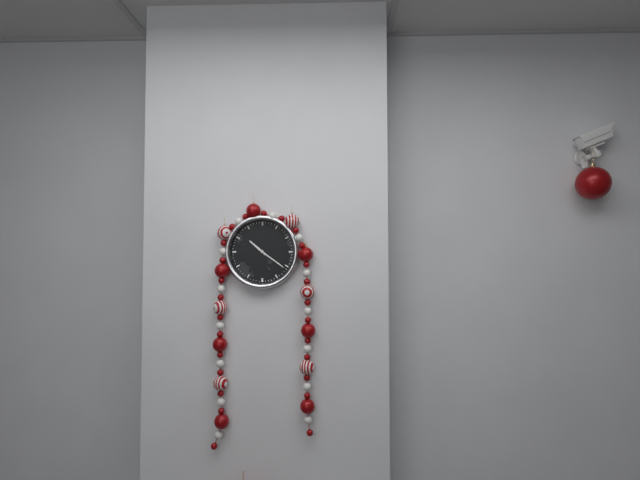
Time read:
10 h 21 min
